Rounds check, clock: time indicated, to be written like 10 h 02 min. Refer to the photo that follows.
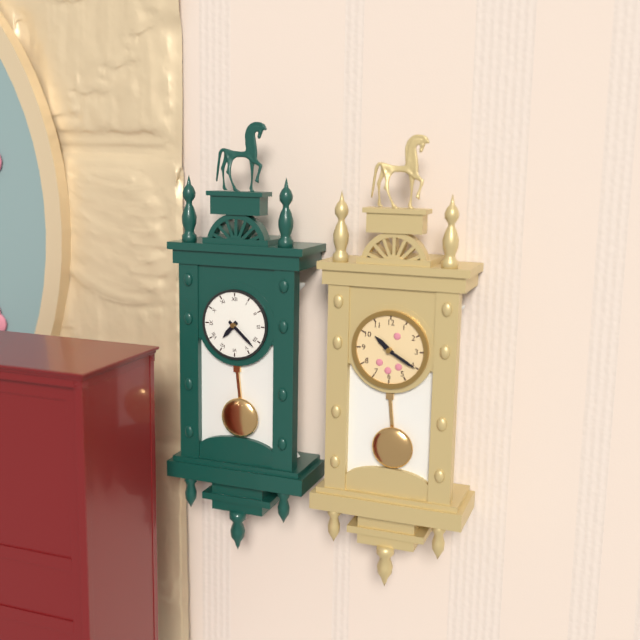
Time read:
7 h 22 min
